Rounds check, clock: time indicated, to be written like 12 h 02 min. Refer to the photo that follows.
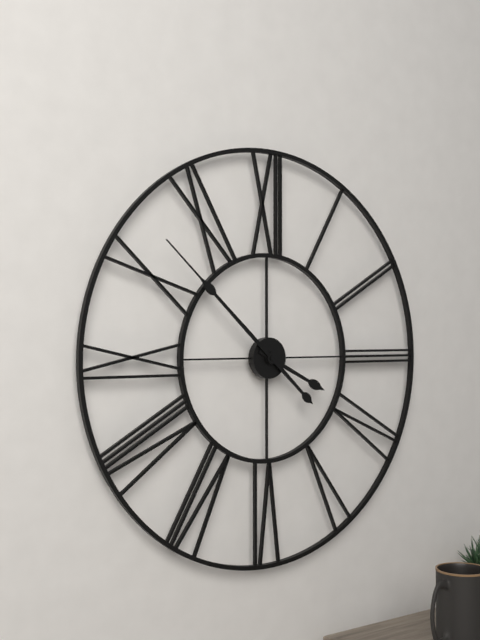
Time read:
3 h 52 min
